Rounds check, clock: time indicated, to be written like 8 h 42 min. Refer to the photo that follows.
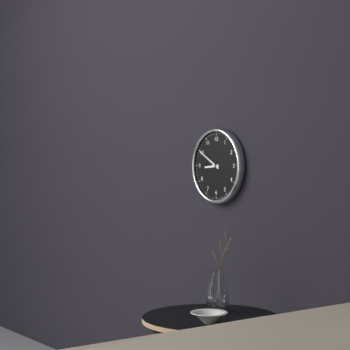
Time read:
8 h 50 min
